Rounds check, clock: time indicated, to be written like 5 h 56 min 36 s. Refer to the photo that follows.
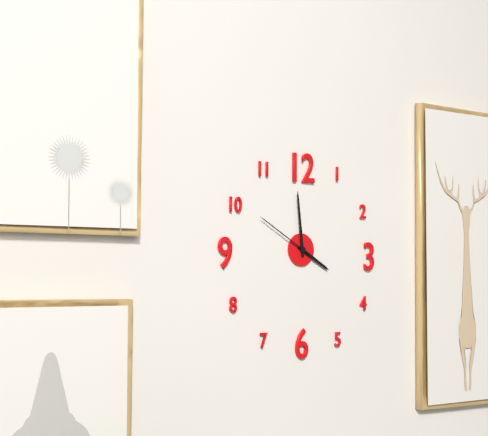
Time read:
3 h 59 min 50 s
